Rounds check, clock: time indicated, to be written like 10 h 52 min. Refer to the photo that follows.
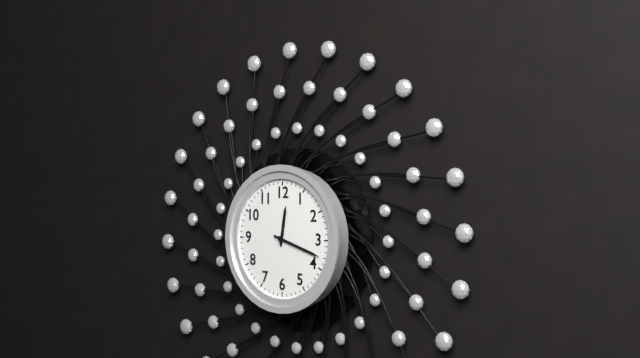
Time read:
12 h 18 min
